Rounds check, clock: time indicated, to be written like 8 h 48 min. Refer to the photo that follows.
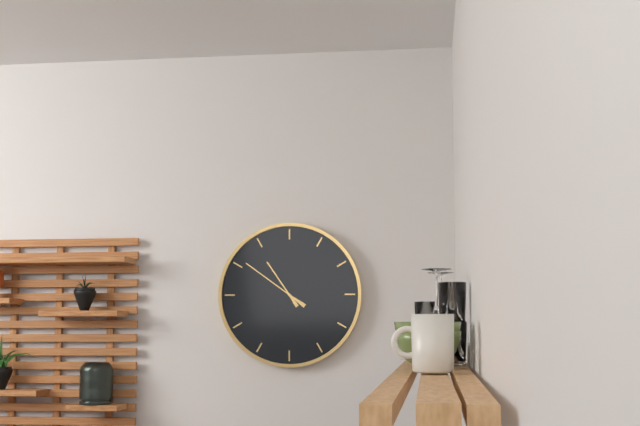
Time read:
10 h 51 min
